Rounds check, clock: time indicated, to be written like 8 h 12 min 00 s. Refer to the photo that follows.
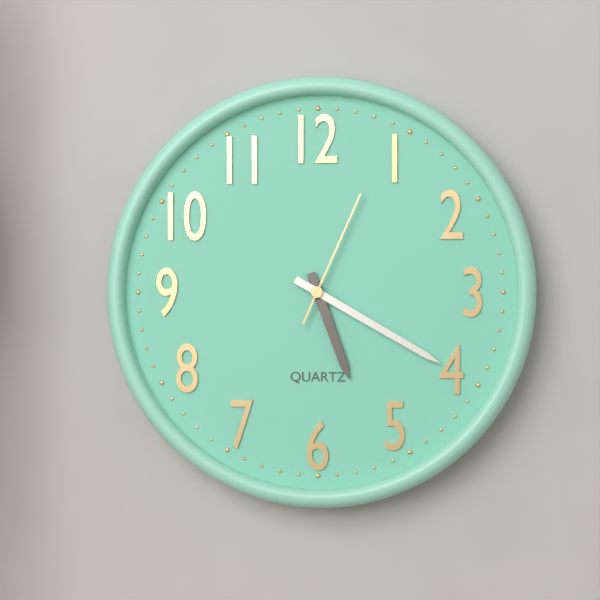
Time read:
5 h 20 min 04 s
